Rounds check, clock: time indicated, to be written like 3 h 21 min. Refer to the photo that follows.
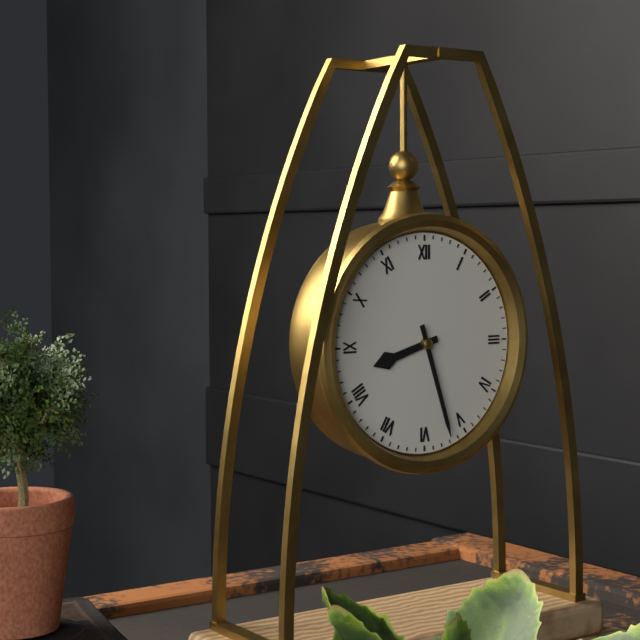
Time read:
8 h 27 min
